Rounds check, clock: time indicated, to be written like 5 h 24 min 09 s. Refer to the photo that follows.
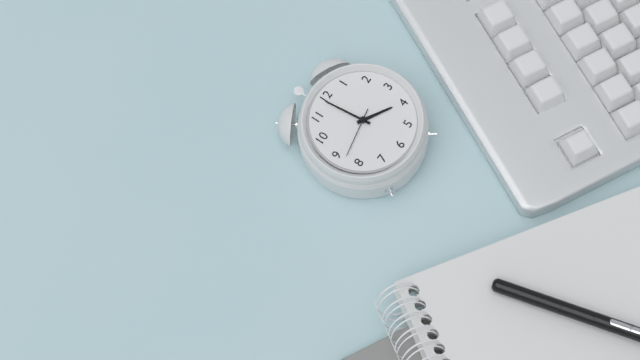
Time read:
3 h 59 min 43 s
